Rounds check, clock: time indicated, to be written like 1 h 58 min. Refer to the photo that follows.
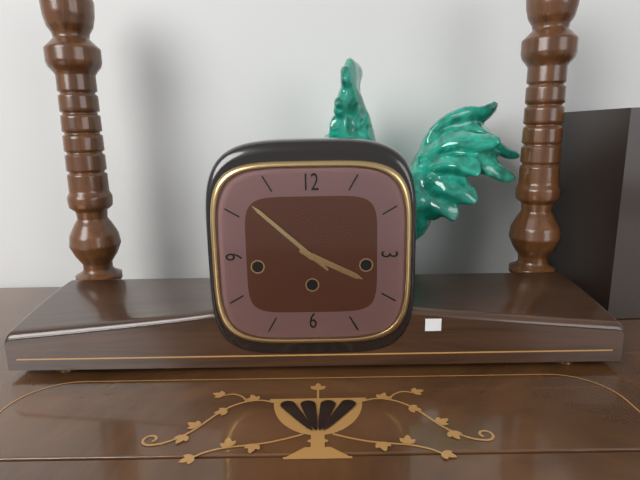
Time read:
3 h 52 min
